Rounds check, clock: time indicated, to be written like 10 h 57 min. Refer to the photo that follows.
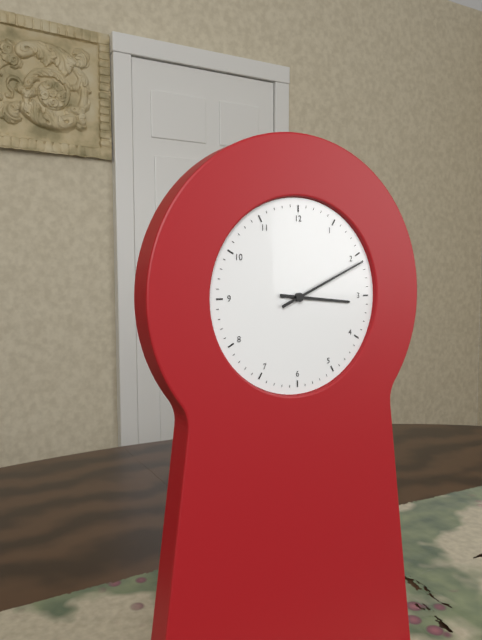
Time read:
3 h 11 min
